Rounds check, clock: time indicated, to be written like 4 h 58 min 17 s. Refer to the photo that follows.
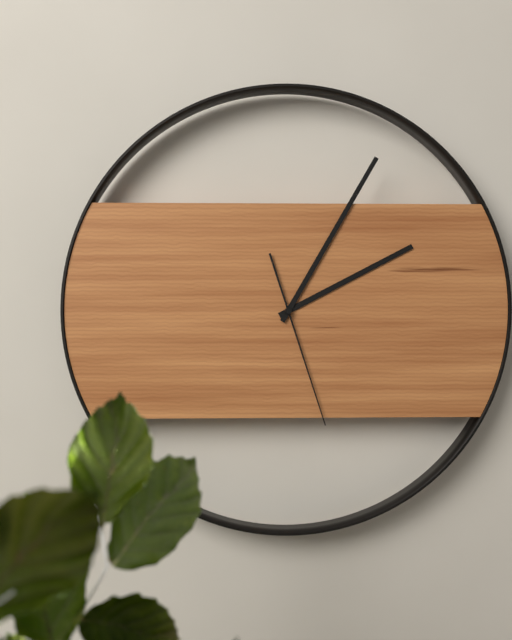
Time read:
2 h 05 min 27 s
